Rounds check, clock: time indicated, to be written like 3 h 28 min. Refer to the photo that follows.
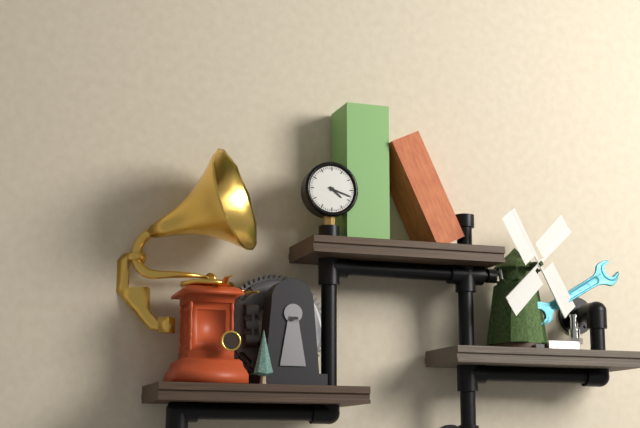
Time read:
4 h 18 min
